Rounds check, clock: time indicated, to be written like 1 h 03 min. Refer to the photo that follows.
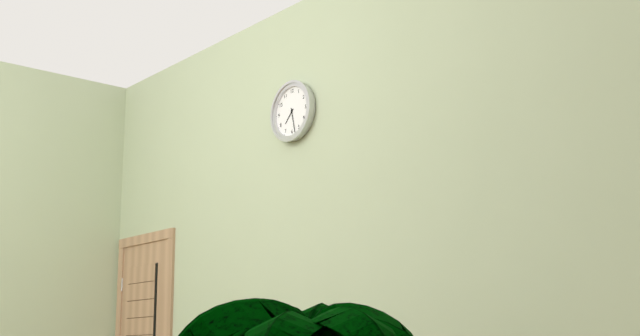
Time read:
7 h 28 min
